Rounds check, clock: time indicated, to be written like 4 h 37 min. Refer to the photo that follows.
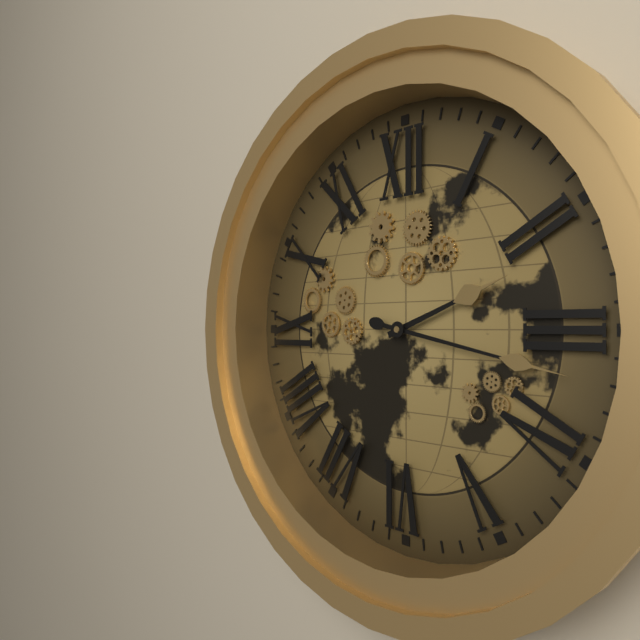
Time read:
2 h 17 min
